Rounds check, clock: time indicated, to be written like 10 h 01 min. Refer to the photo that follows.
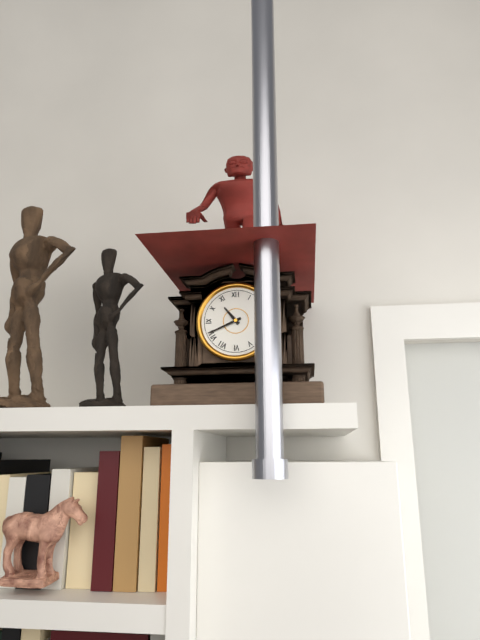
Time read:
10 h 41 min
